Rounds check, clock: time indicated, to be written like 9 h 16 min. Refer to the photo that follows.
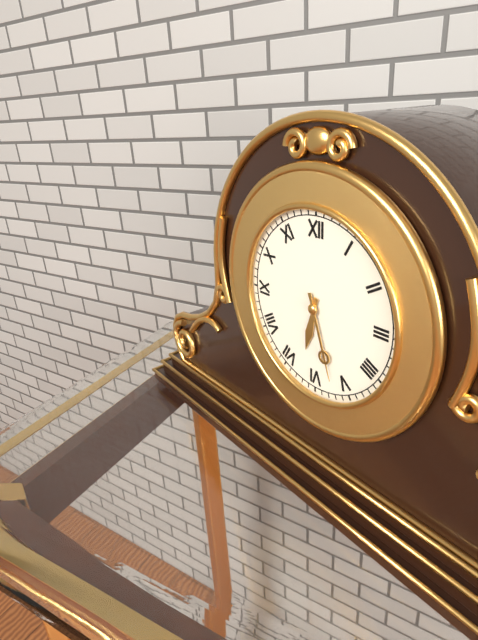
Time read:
6 h 27 min
